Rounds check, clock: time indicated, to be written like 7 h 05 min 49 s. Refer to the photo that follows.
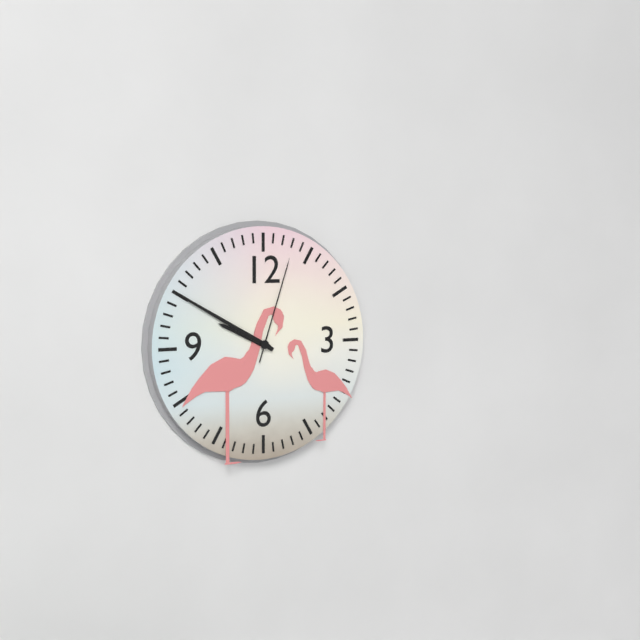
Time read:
9 h 50 min 03 s
